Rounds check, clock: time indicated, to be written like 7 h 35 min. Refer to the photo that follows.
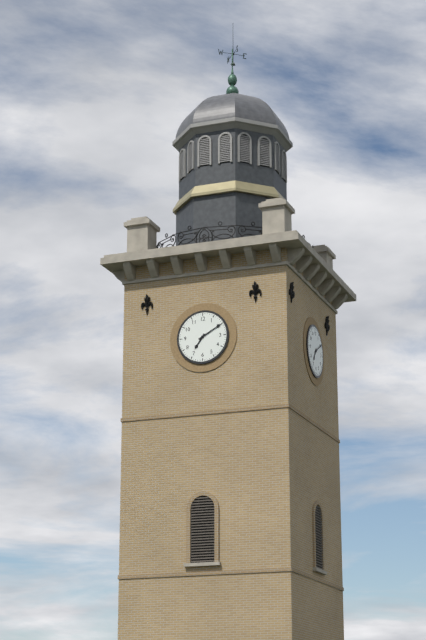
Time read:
7 h 10 min
